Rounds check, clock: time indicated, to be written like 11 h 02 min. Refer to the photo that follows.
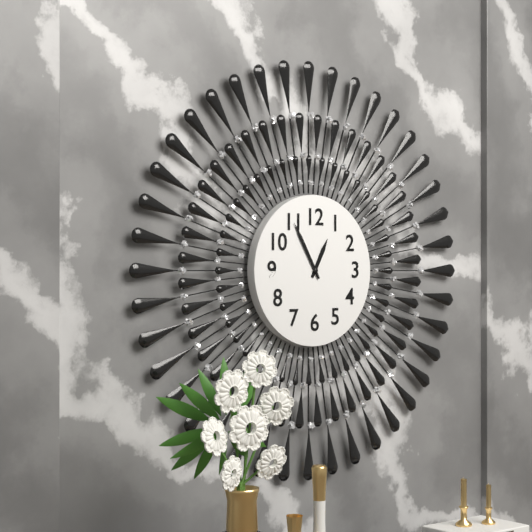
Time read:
12 h 55 min
